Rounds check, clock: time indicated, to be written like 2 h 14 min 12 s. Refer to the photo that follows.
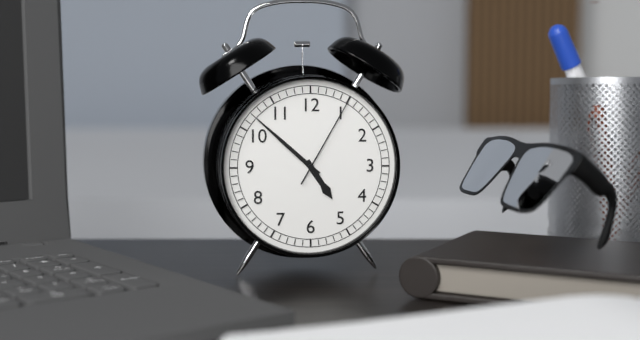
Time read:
4 h 52 min 05 s
